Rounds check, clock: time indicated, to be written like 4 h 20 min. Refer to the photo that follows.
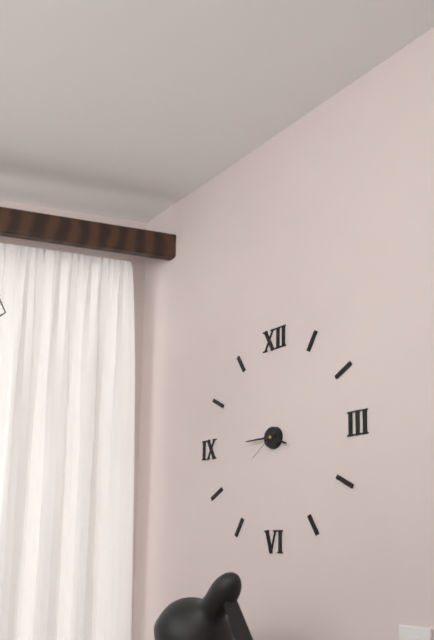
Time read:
3 h 45 min
